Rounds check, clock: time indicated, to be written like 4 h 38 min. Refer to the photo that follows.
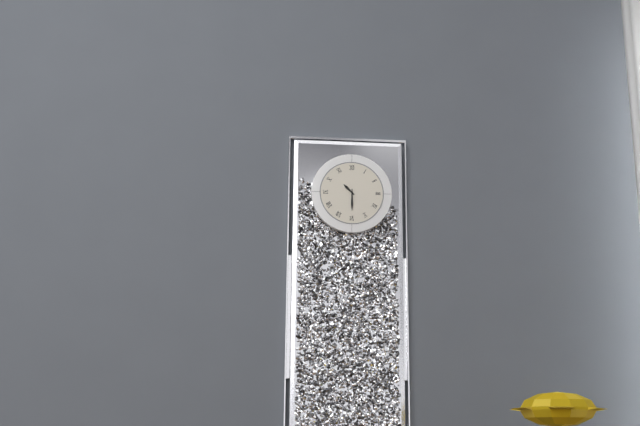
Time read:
10 h 30 min
